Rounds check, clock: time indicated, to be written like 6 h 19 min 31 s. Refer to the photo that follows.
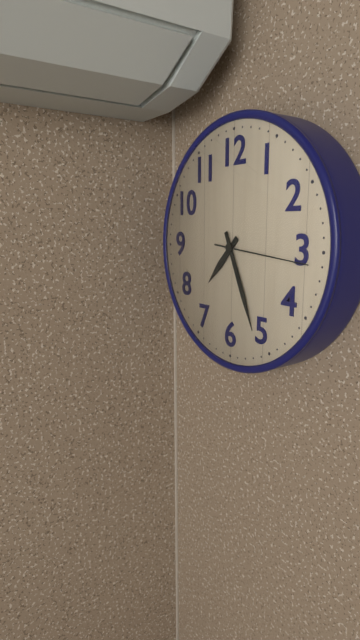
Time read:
7 h 26 min 16 s
